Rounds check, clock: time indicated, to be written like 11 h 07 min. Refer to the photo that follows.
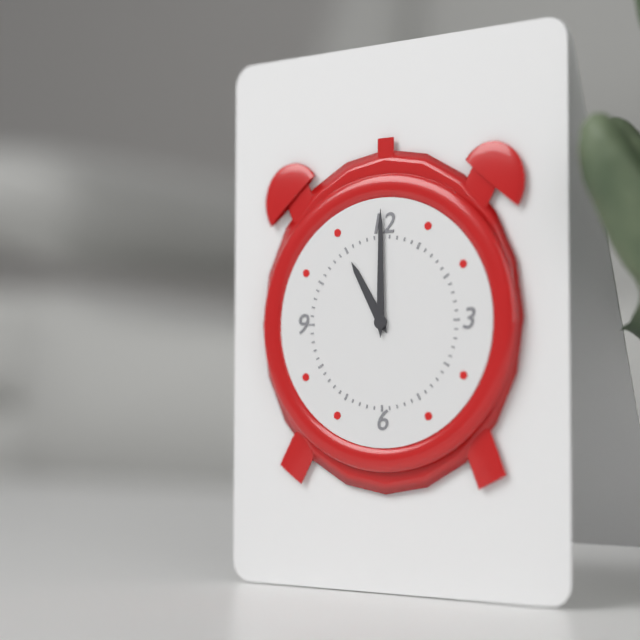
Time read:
11 h 00 min
